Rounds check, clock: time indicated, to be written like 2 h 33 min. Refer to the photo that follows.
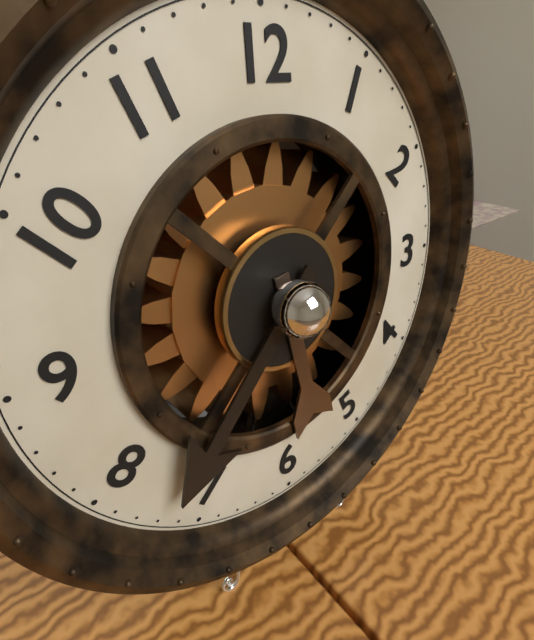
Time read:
5 h 37 min
